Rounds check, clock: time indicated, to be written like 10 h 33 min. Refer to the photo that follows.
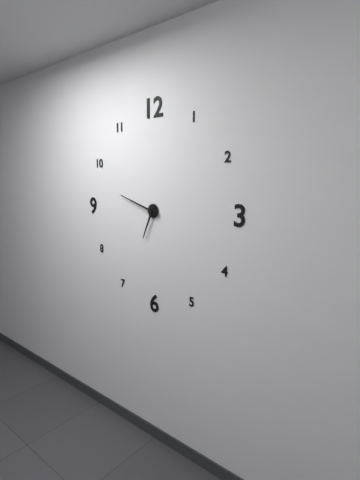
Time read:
6 h 48 min
